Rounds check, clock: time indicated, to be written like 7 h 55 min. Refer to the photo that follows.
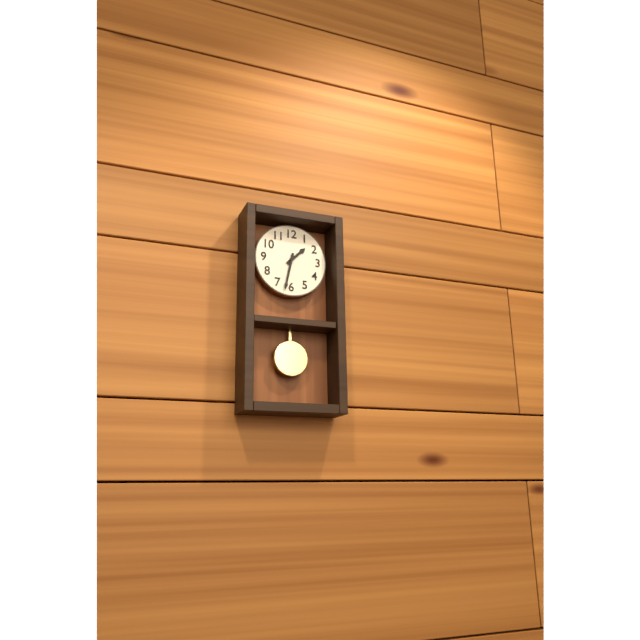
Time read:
1 h 32 min
